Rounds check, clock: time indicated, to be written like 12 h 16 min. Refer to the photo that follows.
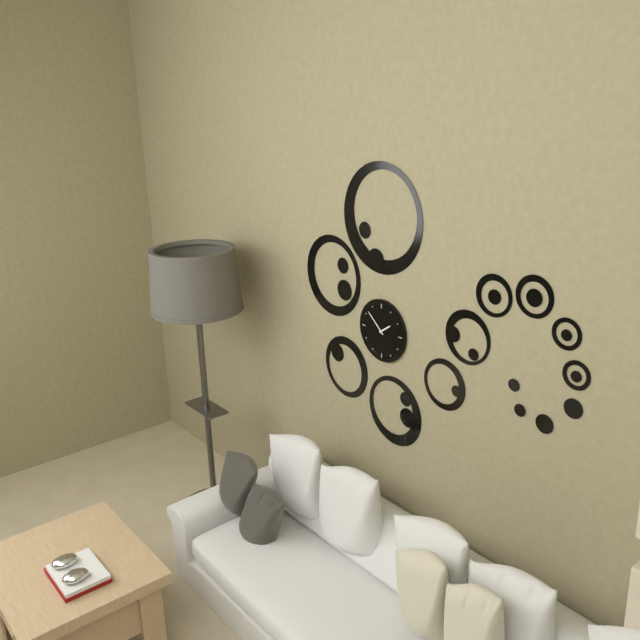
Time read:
1 h 52 min
